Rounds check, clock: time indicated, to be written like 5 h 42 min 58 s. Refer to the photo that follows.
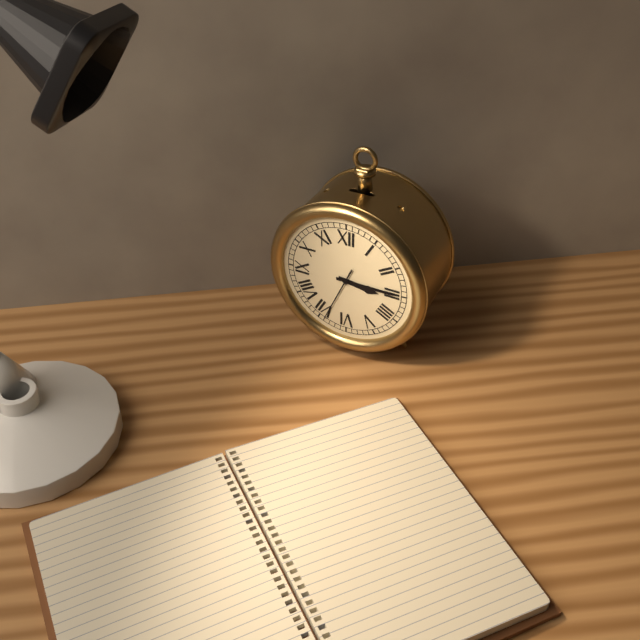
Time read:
3 h 15 min 34 s
